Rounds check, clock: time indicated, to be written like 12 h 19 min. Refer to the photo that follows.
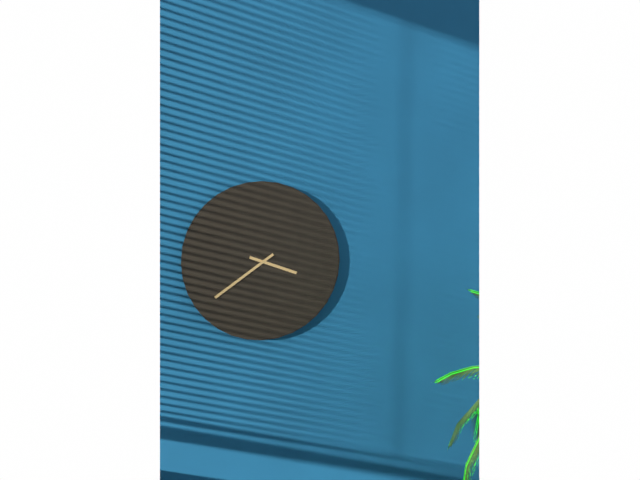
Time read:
3 h 39 min
